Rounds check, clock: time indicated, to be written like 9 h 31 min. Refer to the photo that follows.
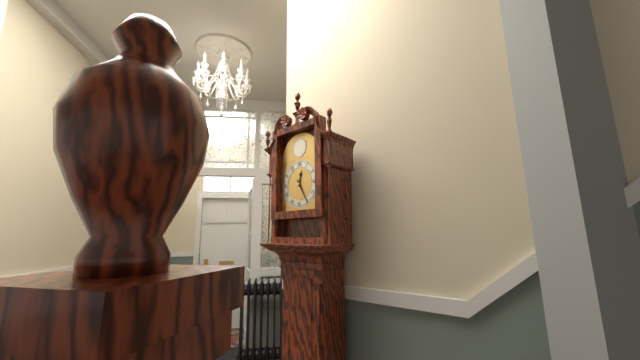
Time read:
12 h 25 min
